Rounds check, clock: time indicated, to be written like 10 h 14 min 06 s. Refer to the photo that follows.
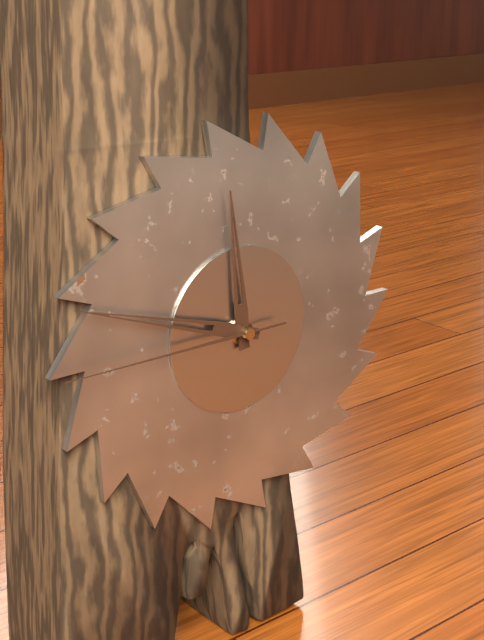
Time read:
11 h 48 min 45 s
